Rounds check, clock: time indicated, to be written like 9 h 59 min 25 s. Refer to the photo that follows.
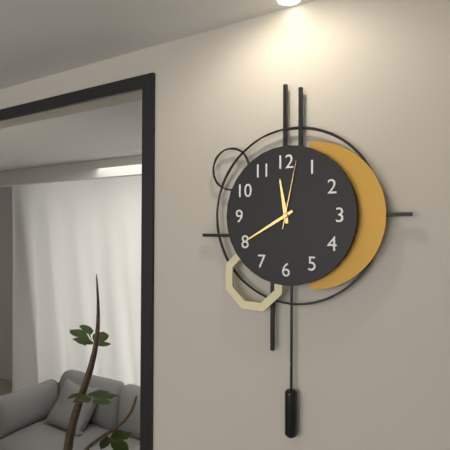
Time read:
11 h 40 min 02 s
